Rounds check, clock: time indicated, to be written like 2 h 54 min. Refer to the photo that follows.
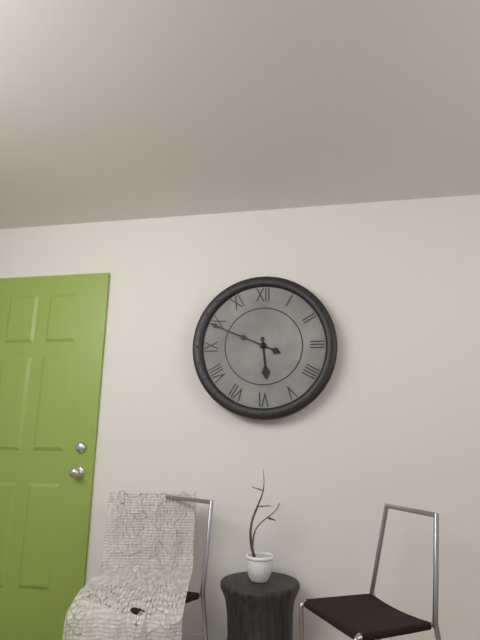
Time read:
5 h 49 min
